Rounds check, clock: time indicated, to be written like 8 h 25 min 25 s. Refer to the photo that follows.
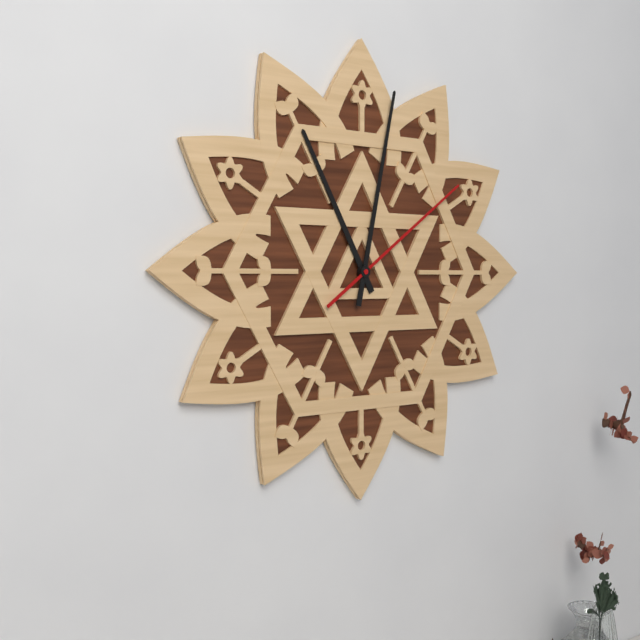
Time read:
11 h 02 min 09 s
